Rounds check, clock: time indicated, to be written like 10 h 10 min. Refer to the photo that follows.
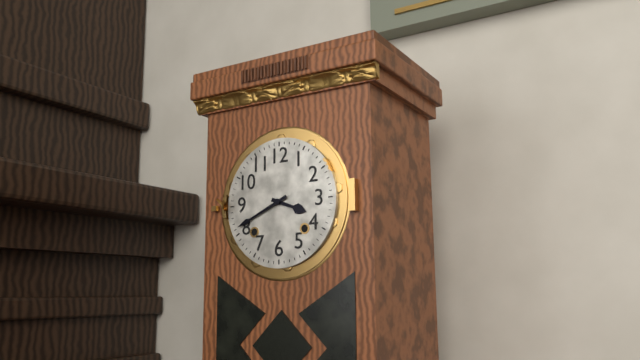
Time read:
3 h 41 min
